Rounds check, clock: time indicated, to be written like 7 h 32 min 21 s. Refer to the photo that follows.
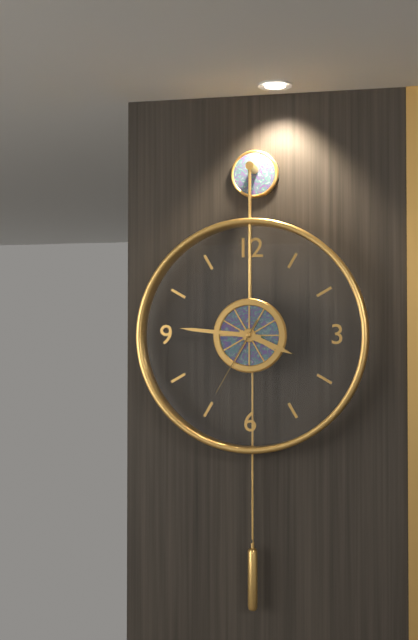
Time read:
3 h 46 min 35 s
